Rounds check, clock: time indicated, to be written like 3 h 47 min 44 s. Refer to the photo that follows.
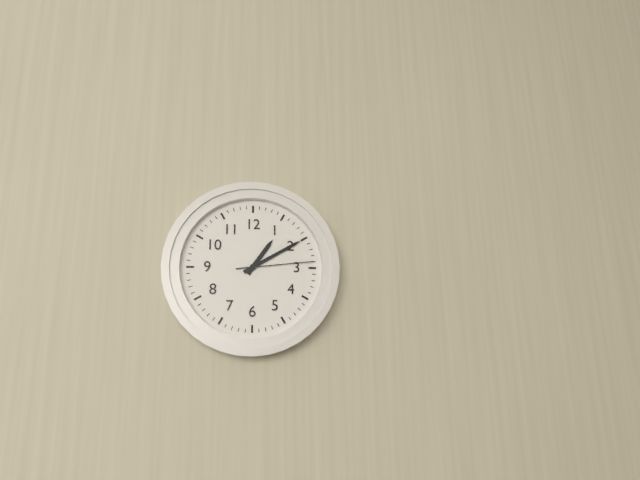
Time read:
1 h 10 min 14 s
